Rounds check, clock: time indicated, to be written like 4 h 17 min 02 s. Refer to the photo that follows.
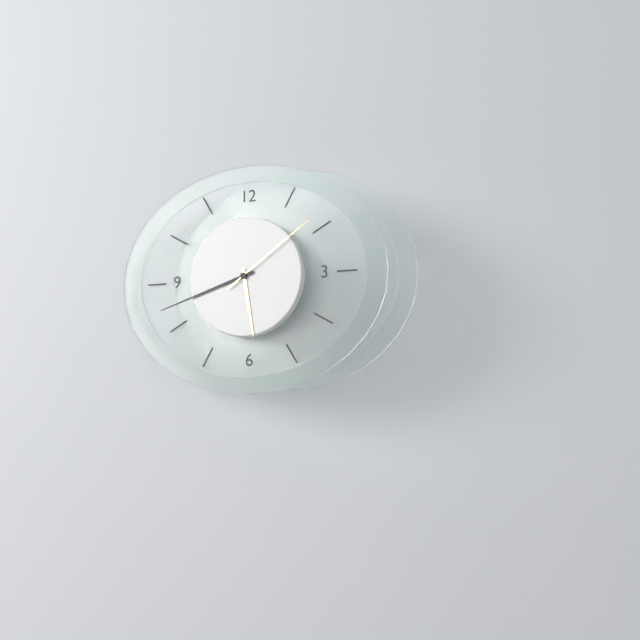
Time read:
5 h 42 min 09 s
